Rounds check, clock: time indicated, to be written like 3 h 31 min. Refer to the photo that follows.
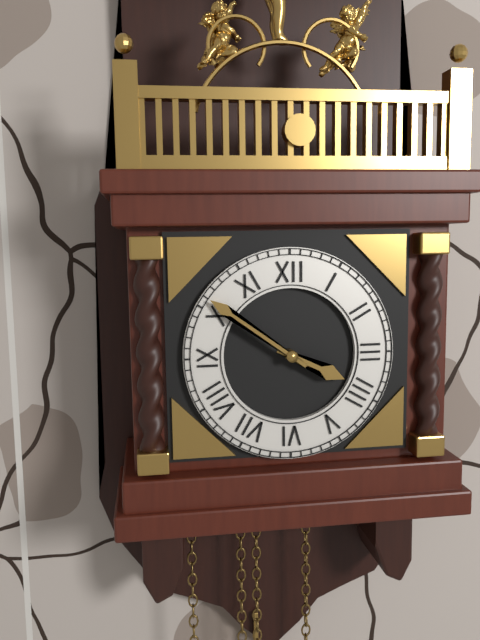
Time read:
3 h 51 min
